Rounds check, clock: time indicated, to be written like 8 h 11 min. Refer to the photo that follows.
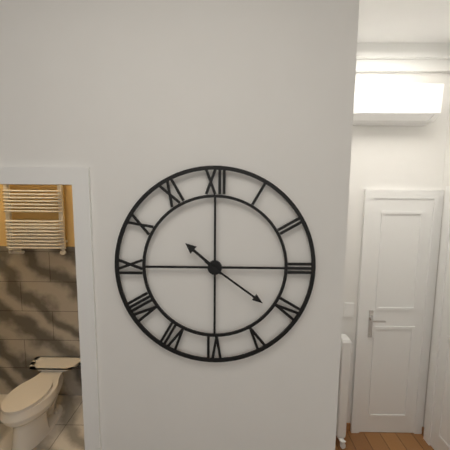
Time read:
10 h 21 min
